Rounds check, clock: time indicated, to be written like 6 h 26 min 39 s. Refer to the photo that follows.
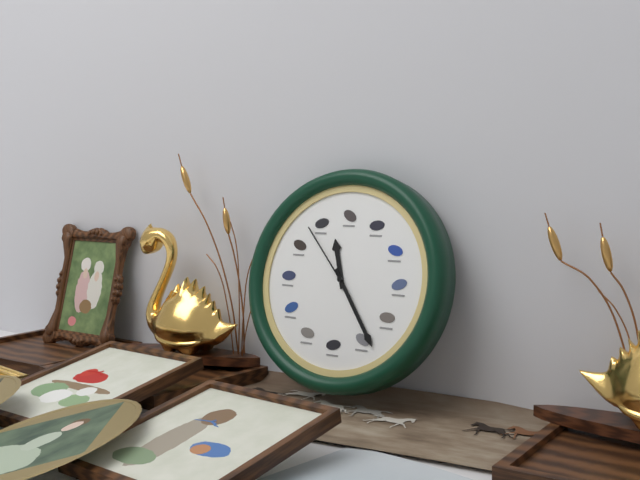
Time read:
11 h 24 min 53 s
